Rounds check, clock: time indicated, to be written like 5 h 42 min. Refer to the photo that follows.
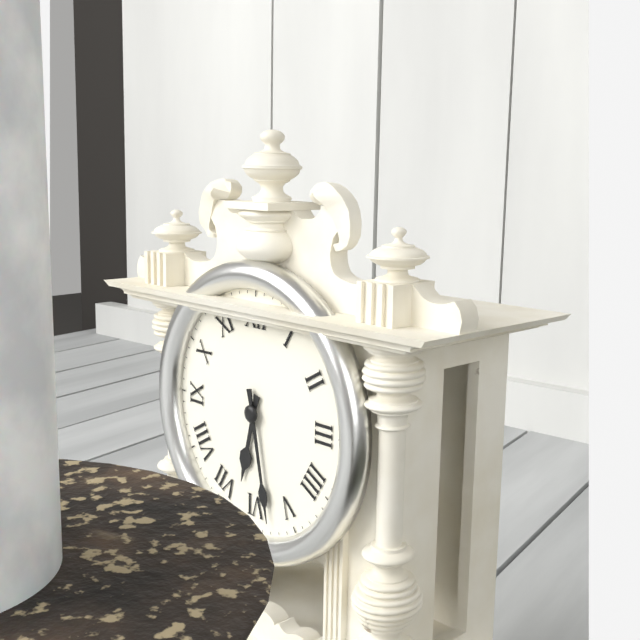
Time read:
6 h 28 min
